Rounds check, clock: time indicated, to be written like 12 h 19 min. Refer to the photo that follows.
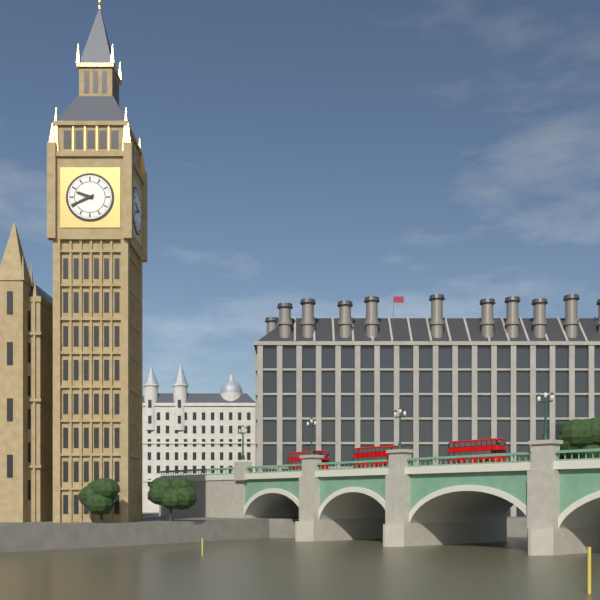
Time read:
9 h 41 min
